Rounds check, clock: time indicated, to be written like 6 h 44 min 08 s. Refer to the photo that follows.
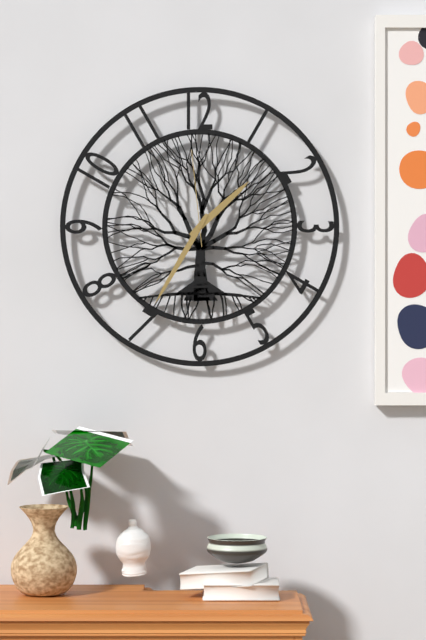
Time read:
1 h 35 min 59 s
